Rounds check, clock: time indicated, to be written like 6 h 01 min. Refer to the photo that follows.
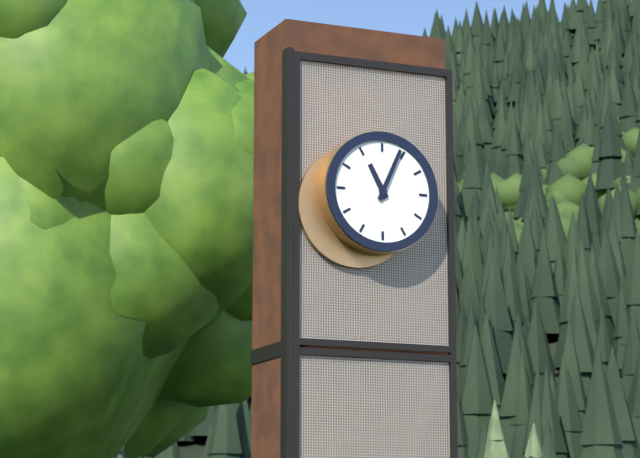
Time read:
11 h 04 min
